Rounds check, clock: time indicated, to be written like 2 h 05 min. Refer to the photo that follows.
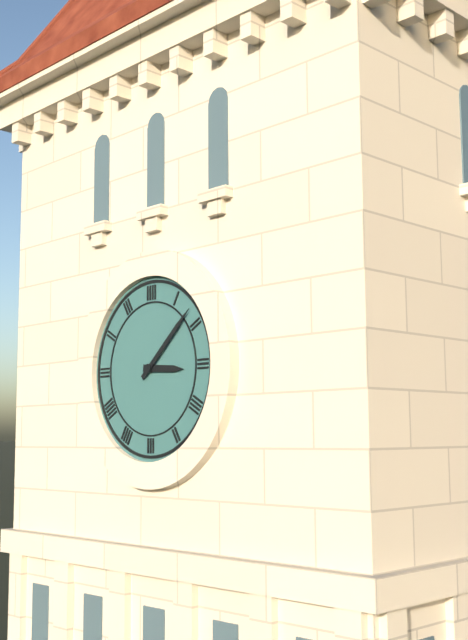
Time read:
3 h 08 min
